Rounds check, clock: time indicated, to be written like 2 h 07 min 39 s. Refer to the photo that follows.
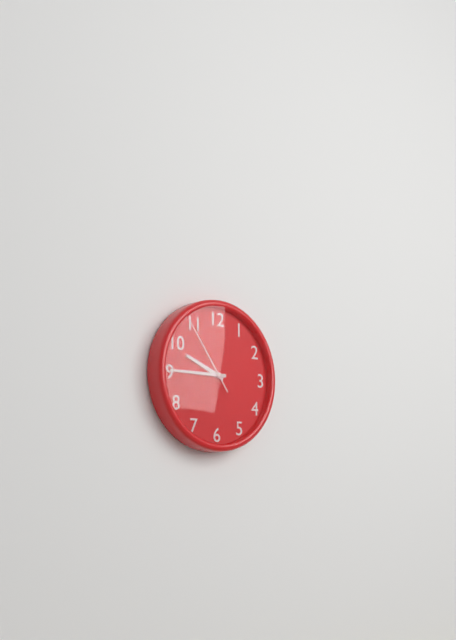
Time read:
9 h 45 min 54 s
